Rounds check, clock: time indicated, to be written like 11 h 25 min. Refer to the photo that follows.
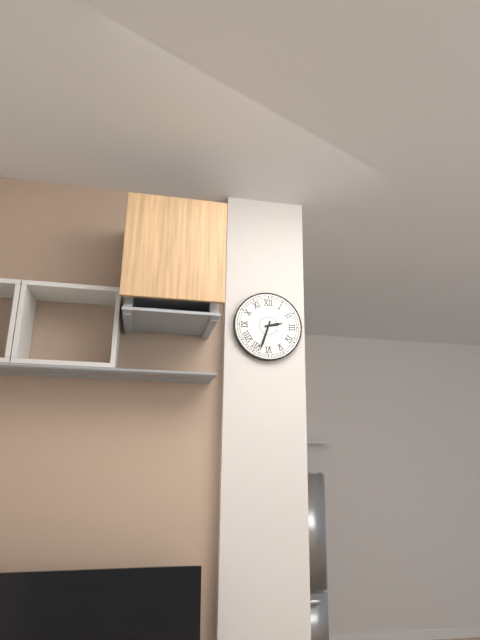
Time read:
2 h 33 min
